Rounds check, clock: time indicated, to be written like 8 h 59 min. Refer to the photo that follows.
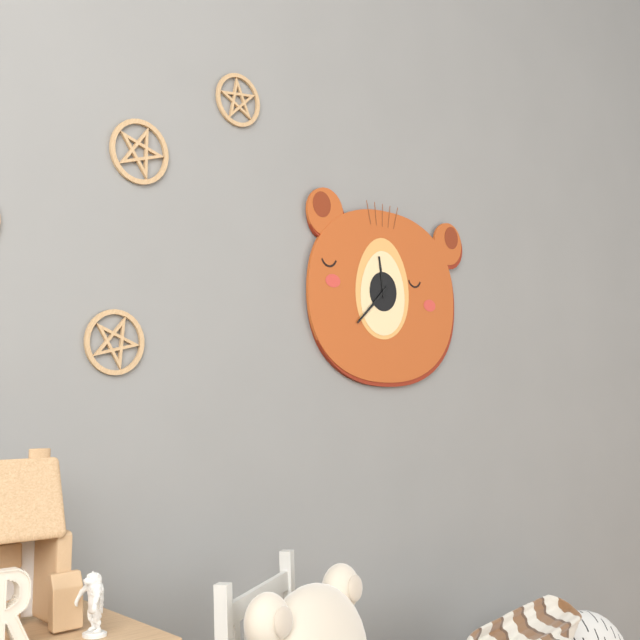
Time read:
11 h 38 min
